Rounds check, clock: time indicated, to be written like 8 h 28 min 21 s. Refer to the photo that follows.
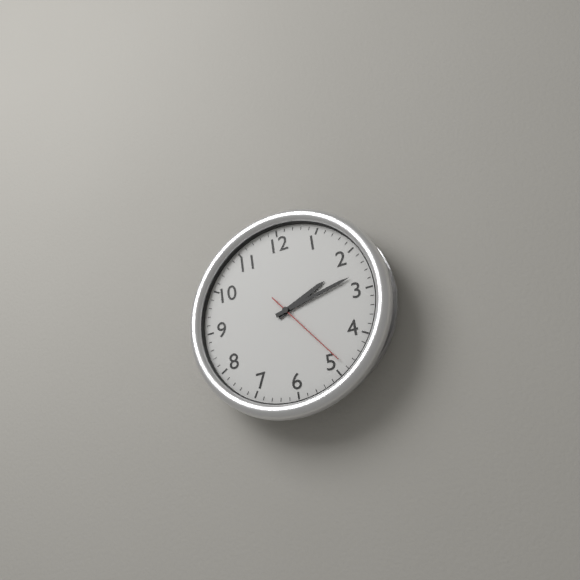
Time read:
2 h 13 min 24 s
